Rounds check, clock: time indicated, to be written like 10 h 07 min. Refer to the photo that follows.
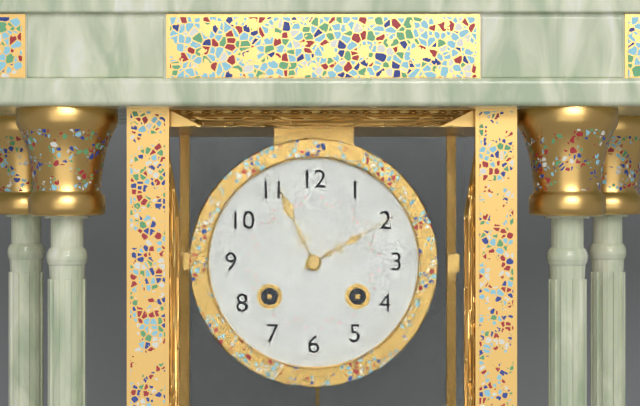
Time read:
11 h 10 min
